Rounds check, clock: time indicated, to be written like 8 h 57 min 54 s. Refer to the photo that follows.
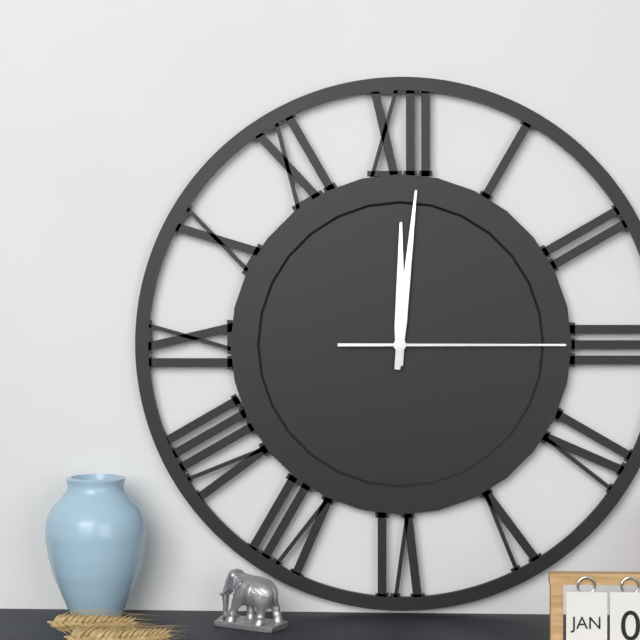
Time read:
12 h 01 min 15 s
